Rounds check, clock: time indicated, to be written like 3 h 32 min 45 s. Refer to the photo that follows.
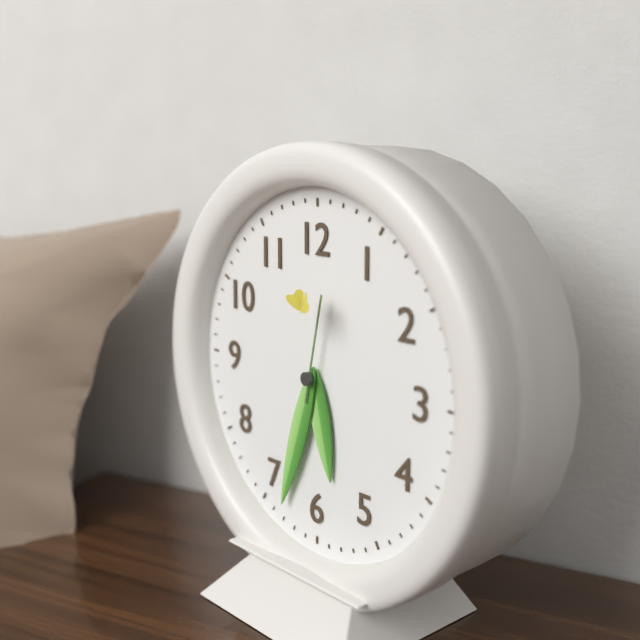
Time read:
5 h 33 min 02 s
